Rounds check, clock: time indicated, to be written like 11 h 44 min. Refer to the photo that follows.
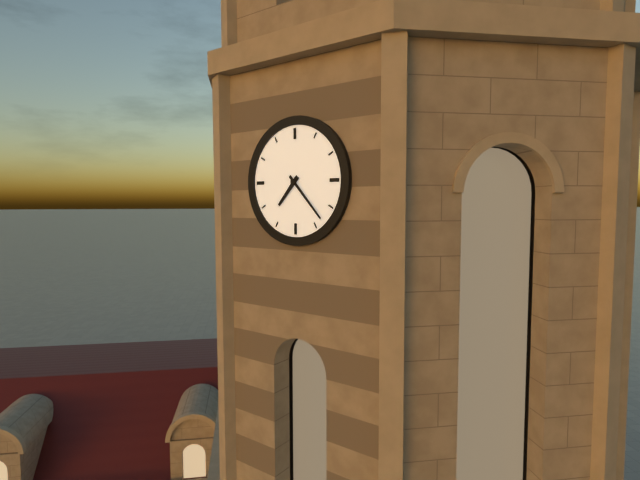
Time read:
7 h 23 min
